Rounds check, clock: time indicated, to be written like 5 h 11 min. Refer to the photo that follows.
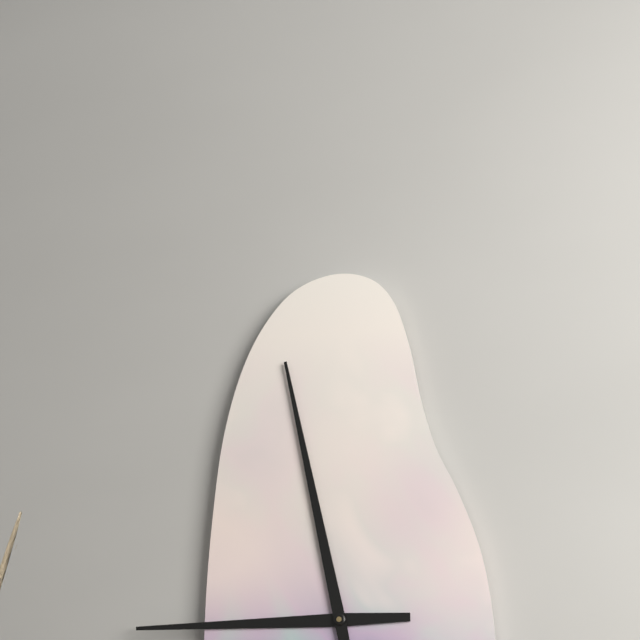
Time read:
8 h 58 min
